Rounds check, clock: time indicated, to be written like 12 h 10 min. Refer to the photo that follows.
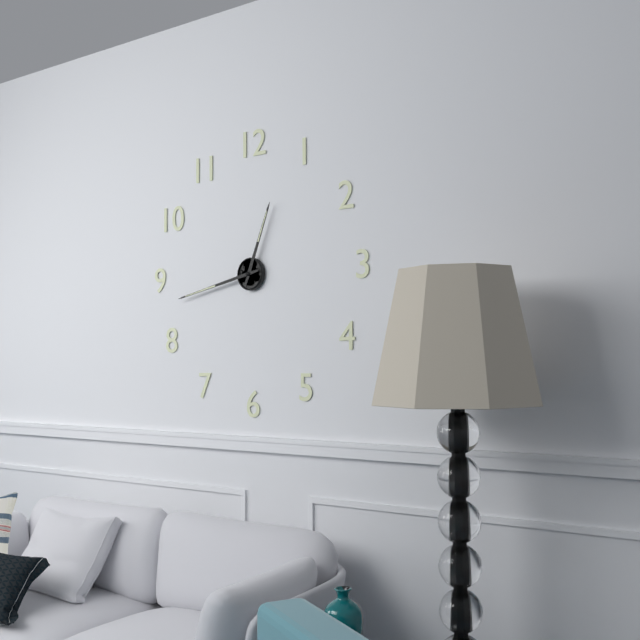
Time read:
12 h 43 min
